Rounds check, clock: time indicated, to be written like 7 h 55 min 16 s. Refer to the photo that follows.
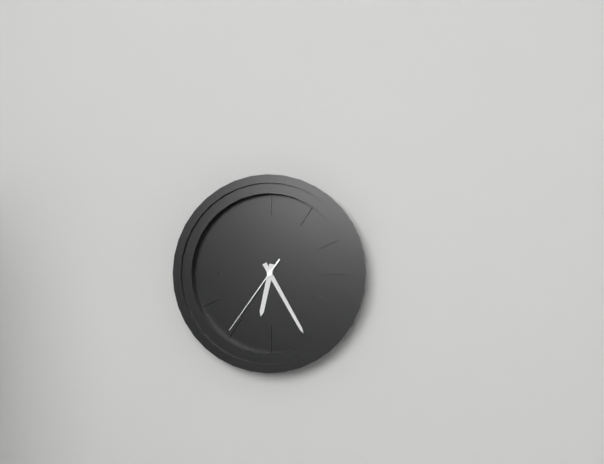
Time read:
6 h 25 min 36 s
